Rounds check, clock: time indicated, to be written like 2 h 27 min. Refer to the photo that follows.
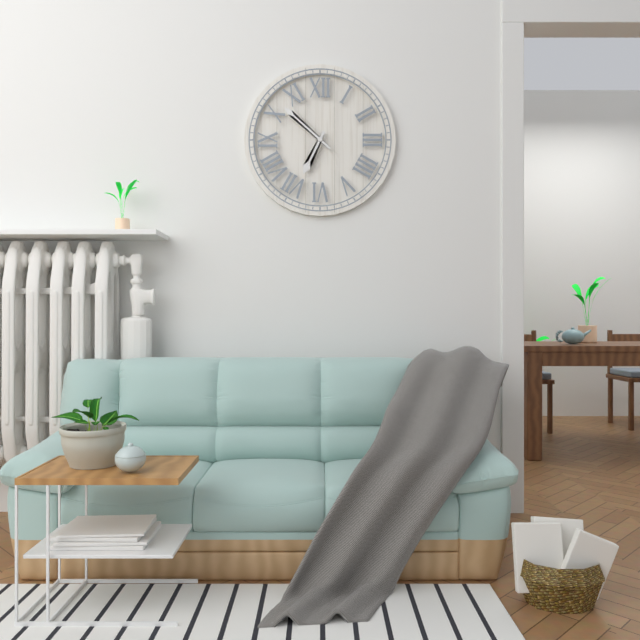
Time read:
6 h 52 min
